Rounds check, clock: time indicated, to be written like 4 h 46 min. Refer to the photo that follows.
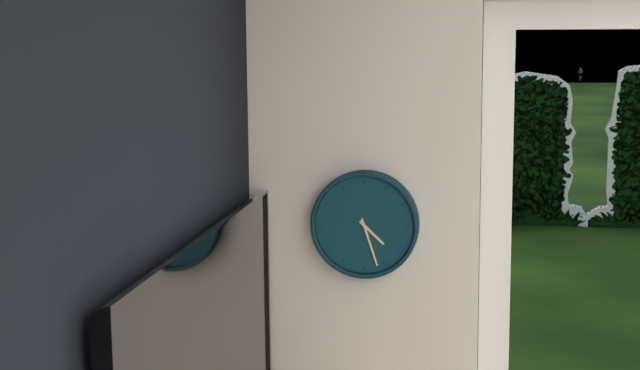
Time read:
4 h 27 min
